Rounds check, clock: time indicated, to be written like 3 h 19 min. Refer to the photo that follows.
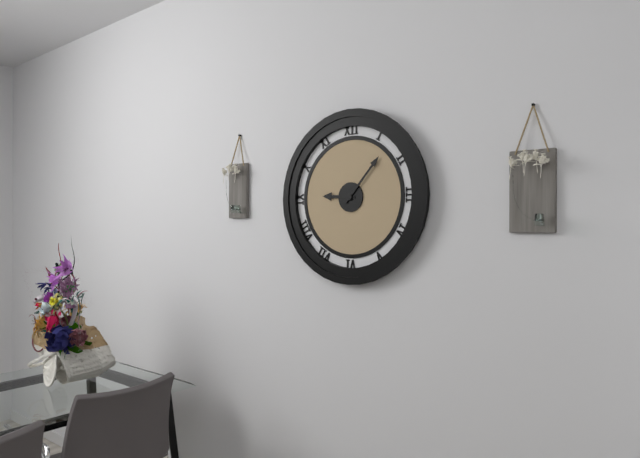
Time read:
9 h 07 min
